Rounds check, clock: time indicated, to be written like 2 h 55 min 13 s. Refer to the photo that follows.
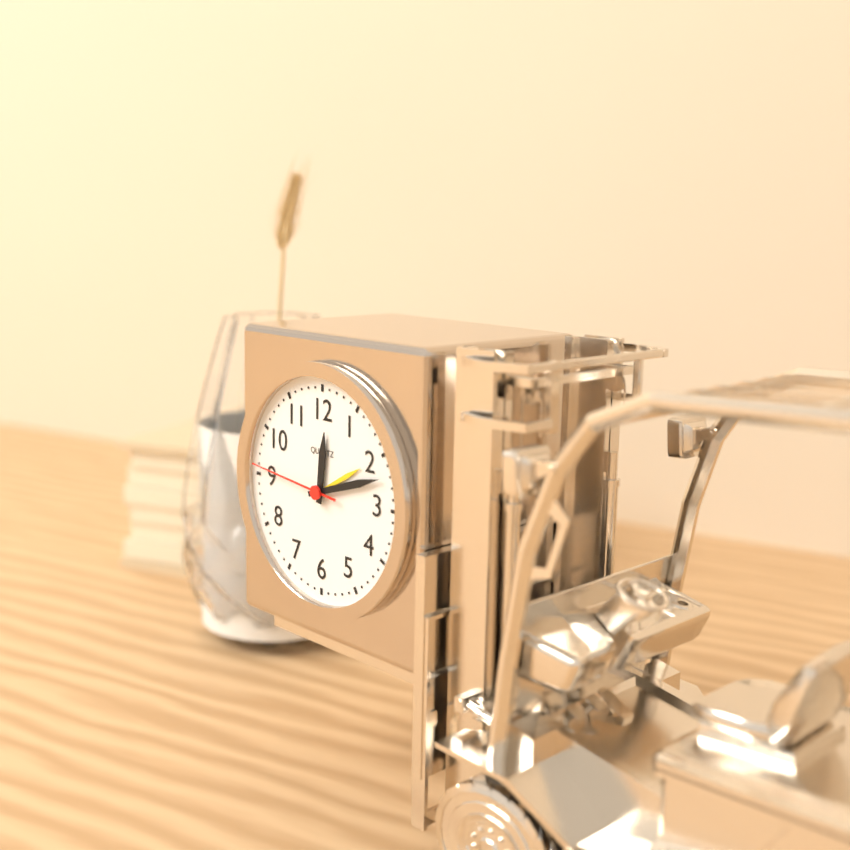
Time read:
12 h 12 min 46 s
